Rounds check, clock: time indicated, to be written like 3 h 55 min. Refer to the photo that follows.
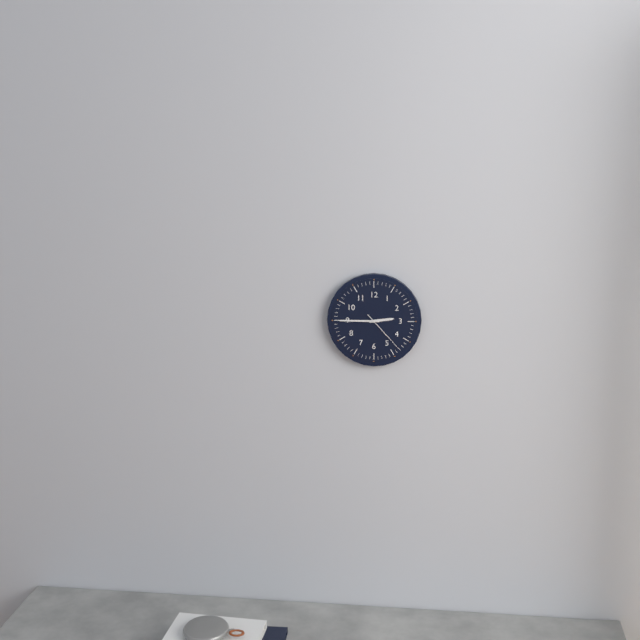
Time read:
2 h 45 min
